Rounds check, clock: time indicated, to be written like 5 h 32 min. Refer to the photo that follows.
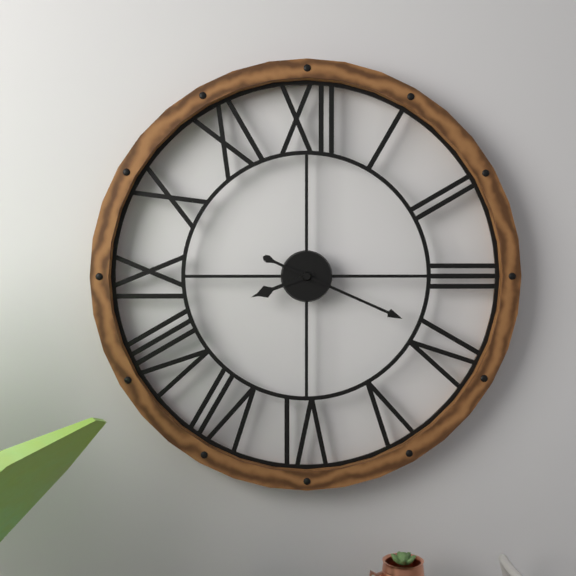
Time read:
8 h 19 min
